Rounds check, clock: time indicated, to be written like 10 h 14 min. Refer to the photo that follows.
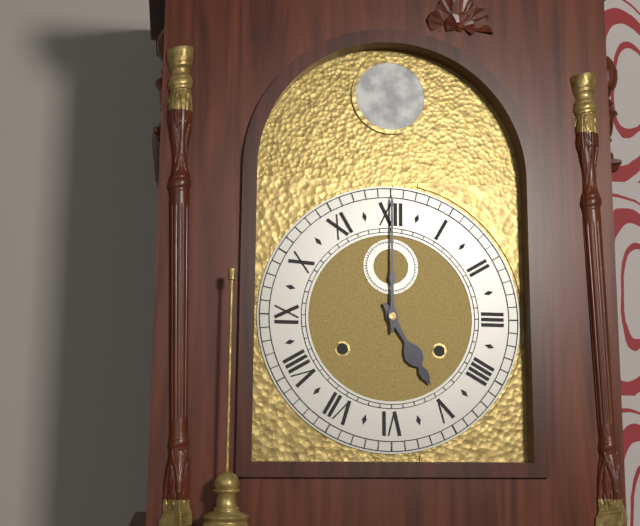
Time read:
5 h 00 min
